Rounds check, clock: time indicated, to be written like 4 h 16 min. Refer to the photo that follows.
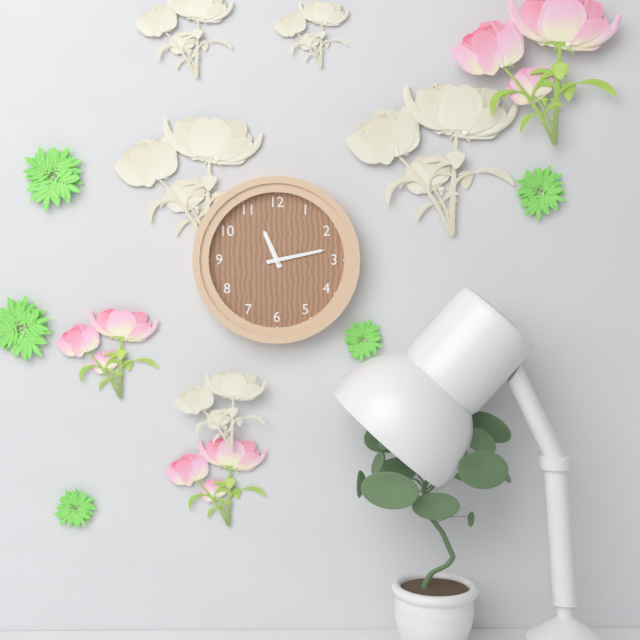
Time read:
11 h 13 min
